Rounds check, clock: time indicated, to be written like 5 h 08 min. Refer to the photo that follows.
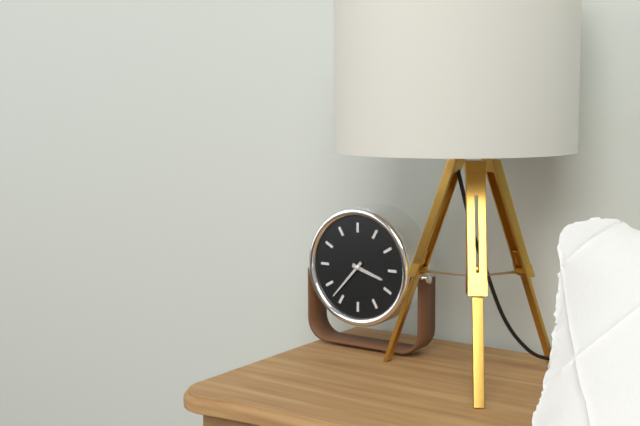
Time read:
3 h 37 min
